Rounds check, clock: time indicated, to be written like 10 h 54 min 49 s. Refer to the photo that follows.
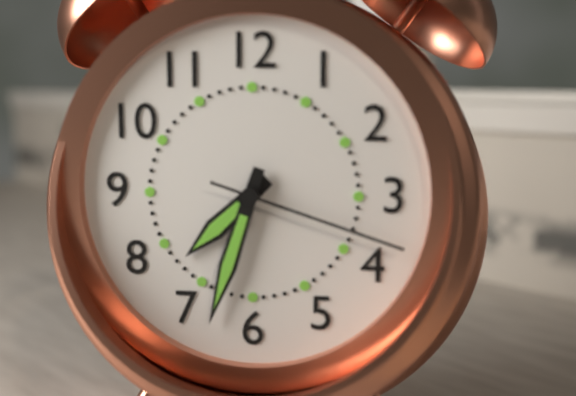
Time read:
7 h 33 min 18 s
